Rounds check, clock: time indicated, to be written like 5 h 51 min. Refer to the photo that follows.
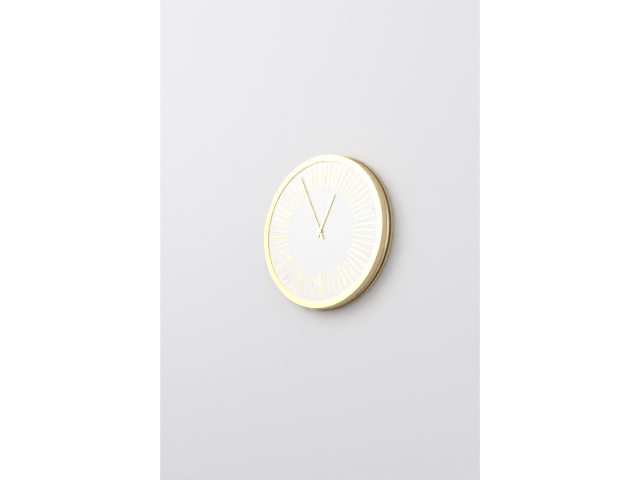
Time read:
12 h 56 min
